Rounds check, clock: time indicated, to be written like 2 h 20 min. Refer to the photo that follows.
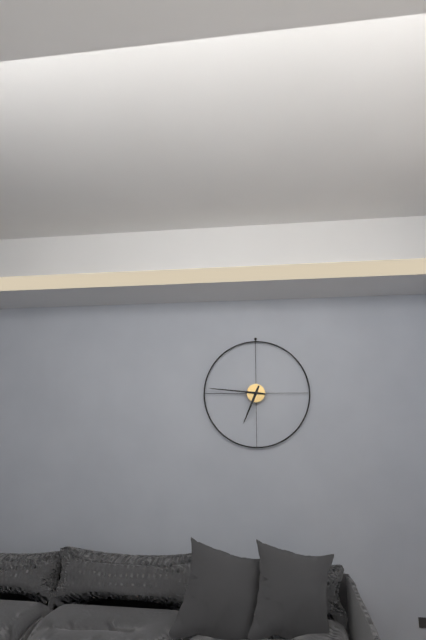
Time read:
6 h 46 min
